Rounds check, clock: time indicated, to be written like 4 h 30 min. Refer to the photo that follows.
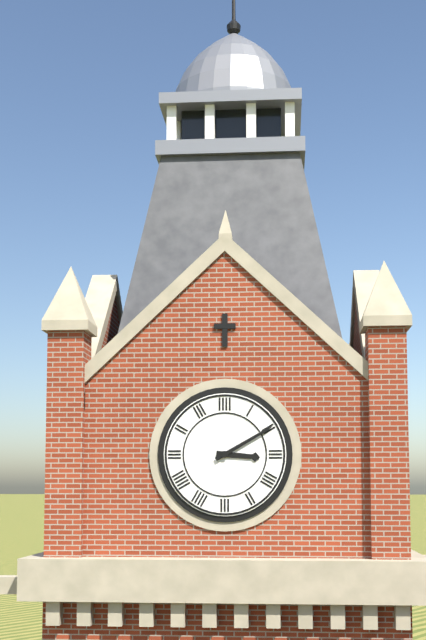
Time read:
3 h 10 min
